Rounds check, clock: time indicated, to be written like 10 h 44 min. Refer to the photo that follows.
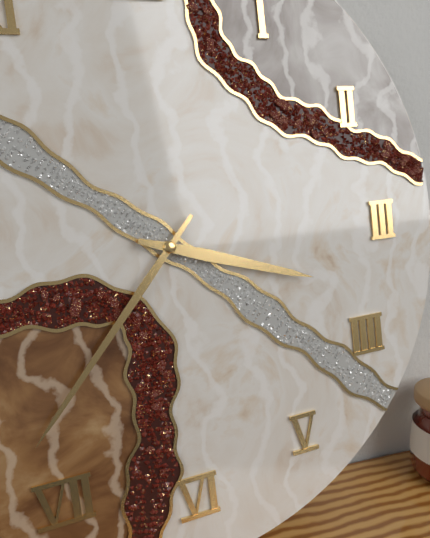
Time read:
3 h 37 min
